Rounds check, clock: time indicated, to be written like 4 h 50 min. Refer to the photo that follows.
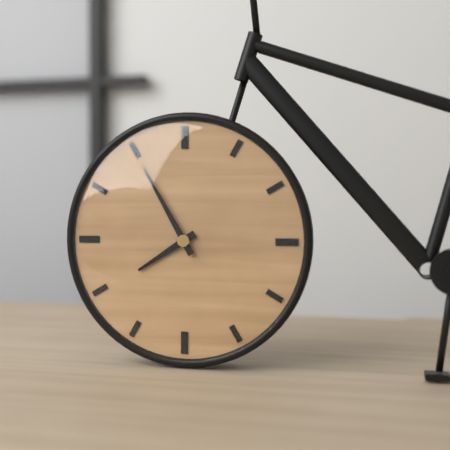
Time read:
7 h 55 min
